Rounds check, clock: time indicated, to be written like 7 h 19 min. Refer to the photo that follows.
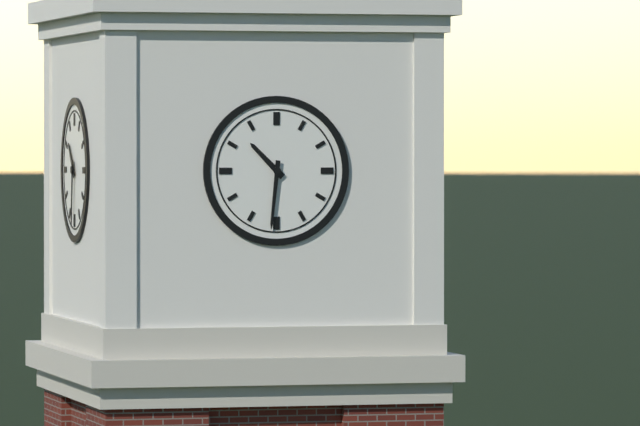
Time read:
10 h 31 min
